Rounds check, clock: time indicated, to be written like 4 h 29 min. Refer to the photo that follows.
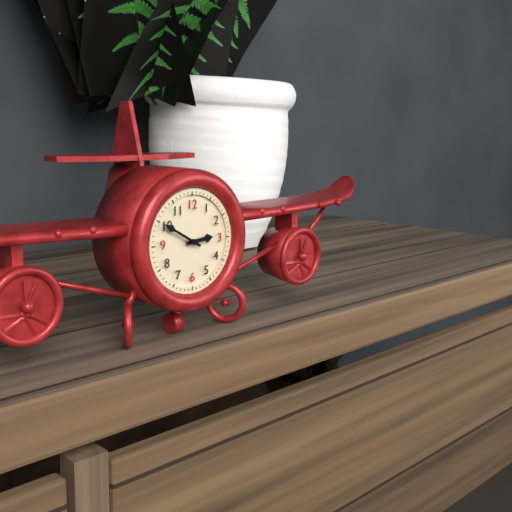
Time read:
2 h 50 min
